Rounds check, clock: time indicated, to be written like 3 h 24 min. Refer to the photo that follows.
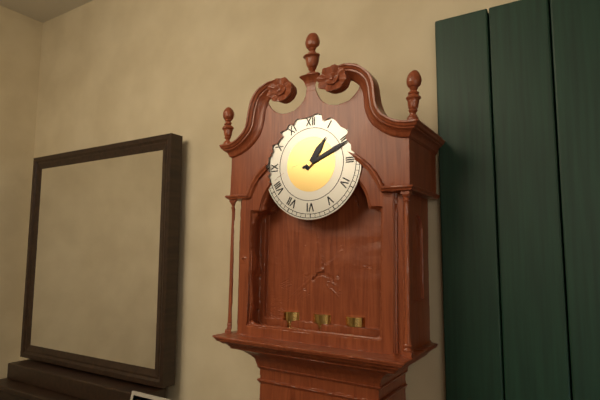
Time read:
1 h 11 min
